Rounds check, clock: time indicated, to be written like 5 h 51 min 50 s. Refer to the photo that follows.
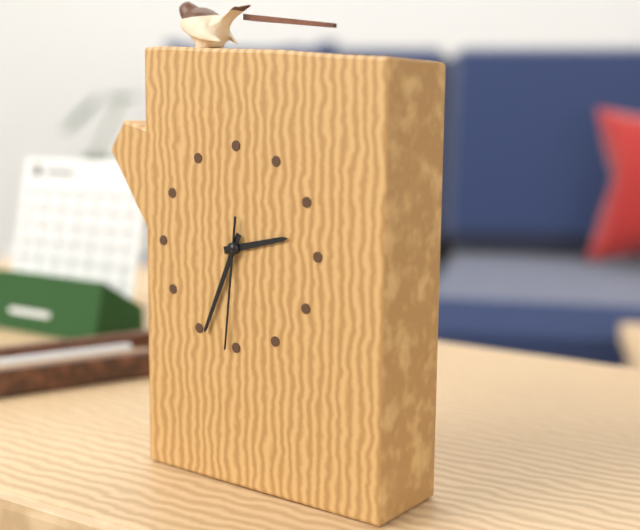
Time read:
2 h 34 min 31 s
